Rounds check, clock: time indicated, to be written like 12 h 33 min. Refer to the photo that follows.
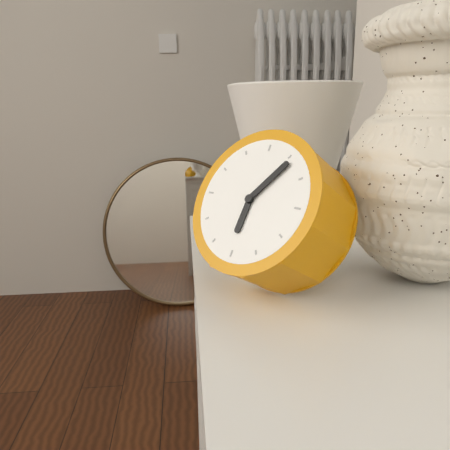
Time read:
6 h 06 min
